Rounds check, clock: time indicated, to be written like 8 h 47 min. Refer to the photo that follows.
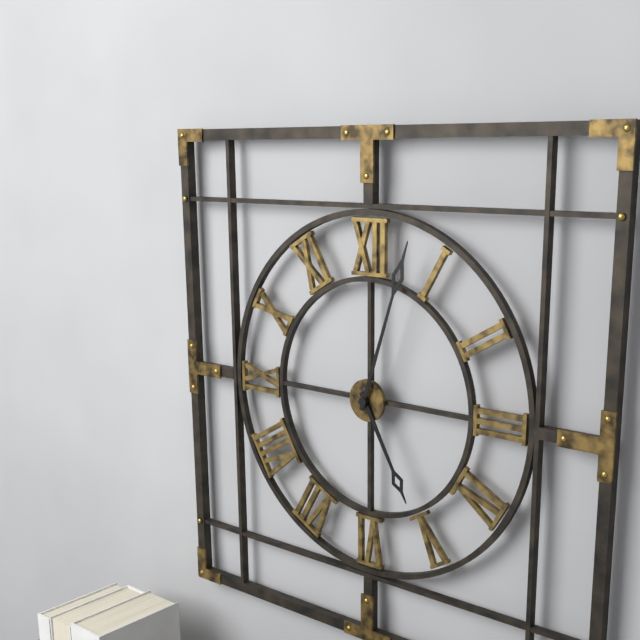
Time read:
5 h 03 min
